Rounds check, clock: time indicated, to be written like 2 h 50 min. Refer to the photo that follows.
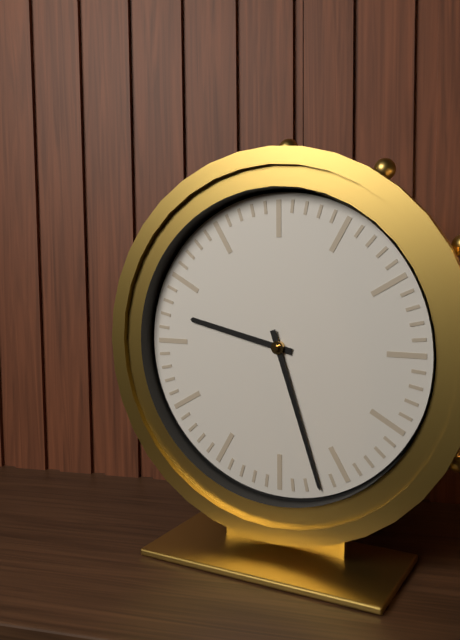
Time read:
9 h 27 min
